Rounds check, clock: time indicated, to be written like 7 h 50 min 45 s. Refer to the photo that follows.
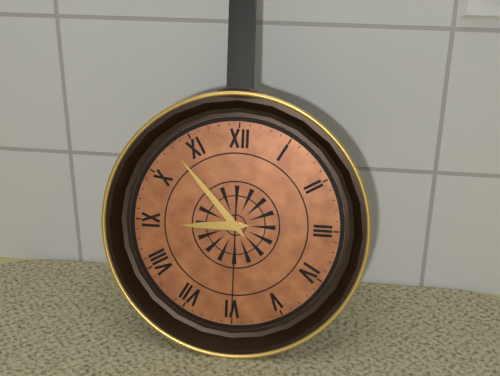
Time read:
8 h 53 min 30 s
